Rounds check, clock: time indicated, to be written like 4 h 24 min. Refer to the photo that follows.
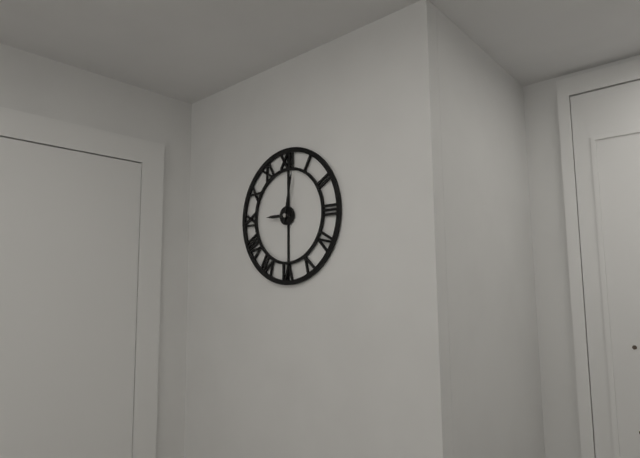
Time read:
9 h 02 min
